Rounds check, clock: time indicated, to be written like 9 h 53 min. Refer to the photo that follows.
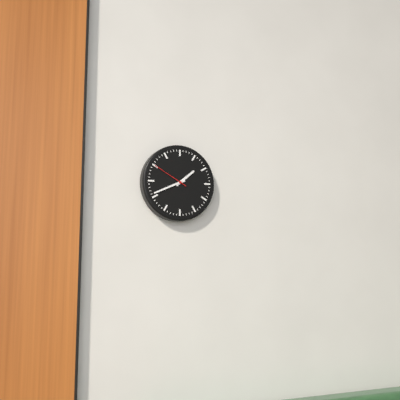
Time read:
1 h 41 min
